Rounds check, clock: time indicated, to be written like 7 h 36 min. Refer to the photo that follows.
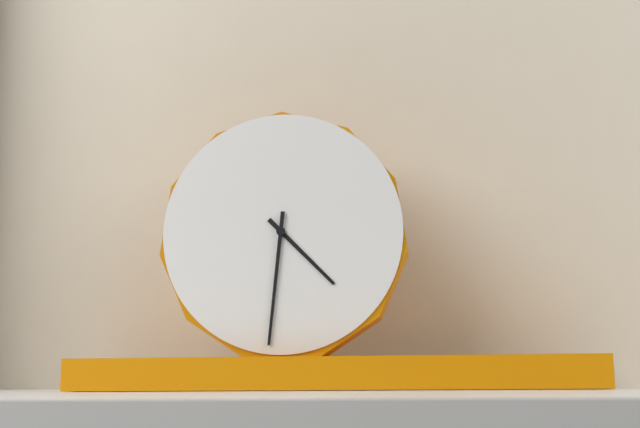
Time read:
4 h 31 min
